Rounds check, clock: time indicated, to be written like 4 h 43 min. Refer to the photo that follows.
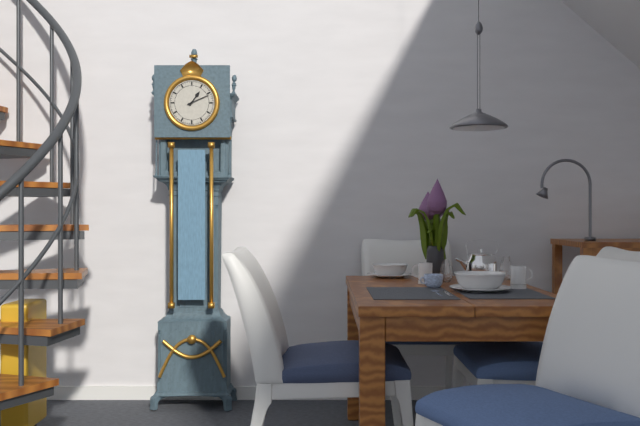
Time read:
1 h 11 min
